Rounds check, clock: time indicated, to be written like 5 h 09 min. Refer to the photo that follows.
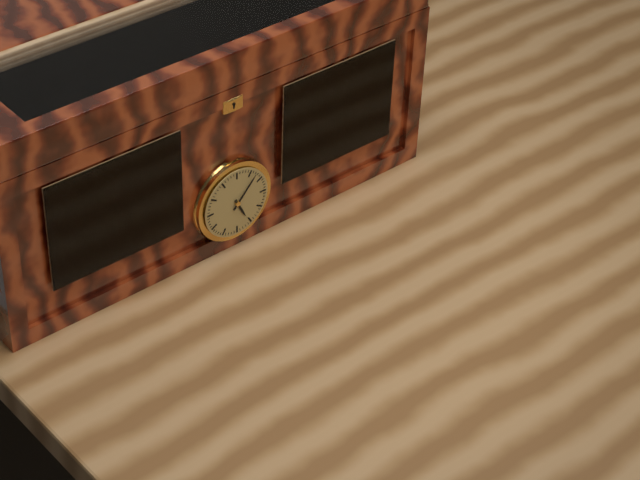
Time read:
5 h 07 min
